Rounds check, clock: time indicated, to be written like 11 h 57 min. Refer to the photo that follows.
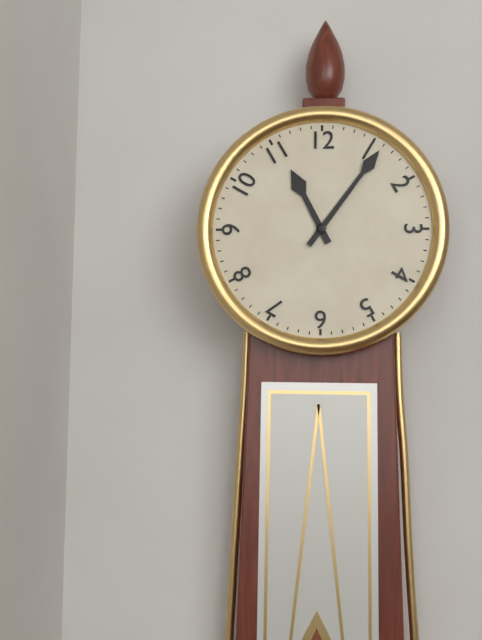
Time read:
11 h 06 min
